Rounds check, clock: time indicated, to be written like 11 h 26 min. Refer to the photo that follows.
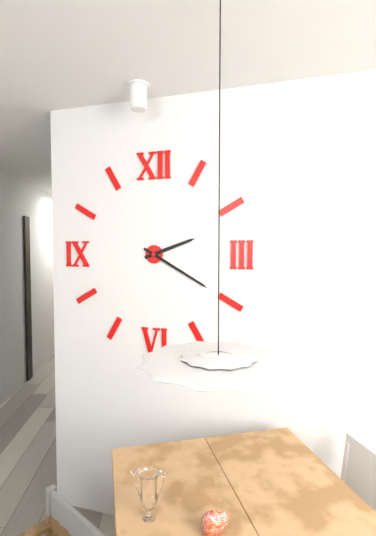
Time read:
2 h 20 min
